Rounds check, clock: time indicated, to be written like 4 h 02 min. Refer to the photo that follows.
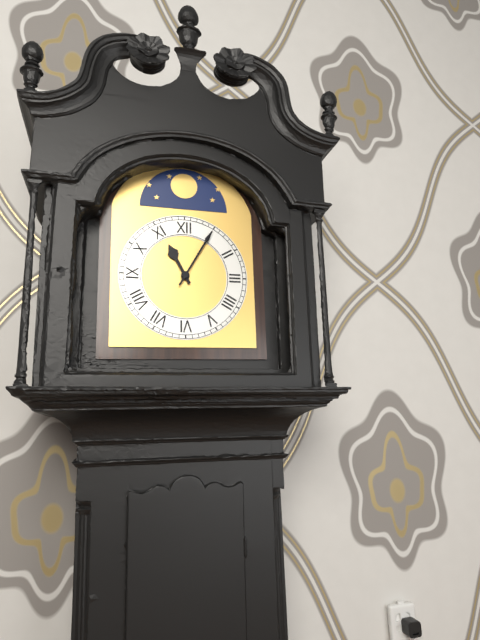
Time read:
11 h 05 min
